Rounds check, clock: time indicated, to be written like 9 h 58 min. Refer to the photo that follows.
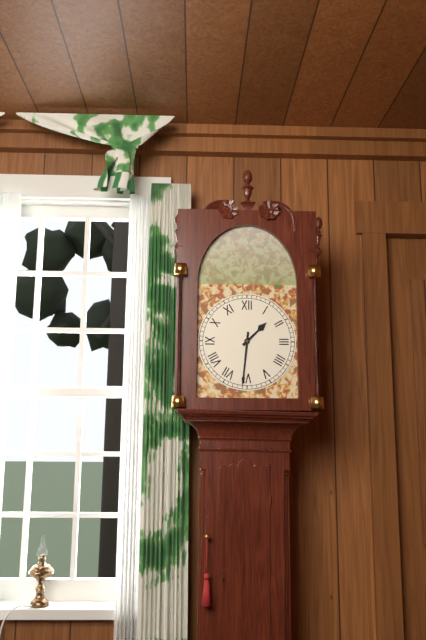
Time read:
1 h 31 min
